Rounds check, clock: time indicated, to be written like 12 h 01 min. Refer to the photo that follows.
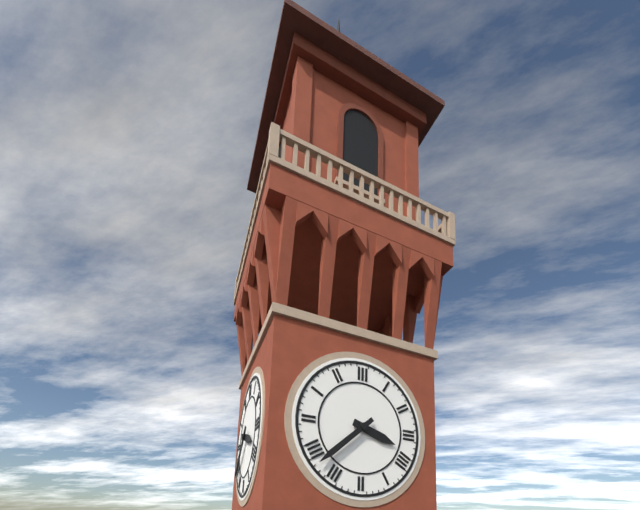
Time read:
3 h 38 min
